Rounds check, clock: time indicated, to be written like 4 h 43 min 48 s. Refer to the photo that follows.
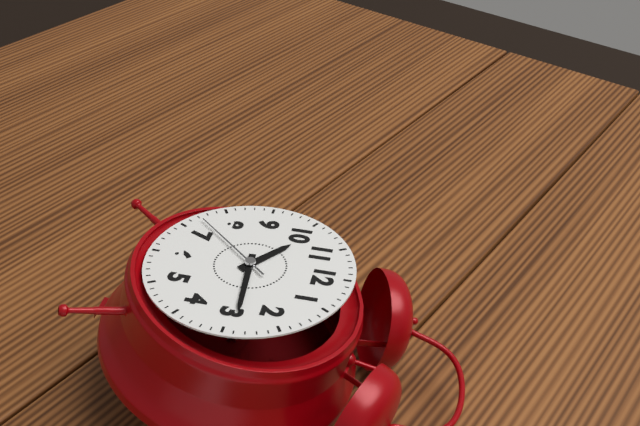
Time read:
10 h 14 min 37 s
